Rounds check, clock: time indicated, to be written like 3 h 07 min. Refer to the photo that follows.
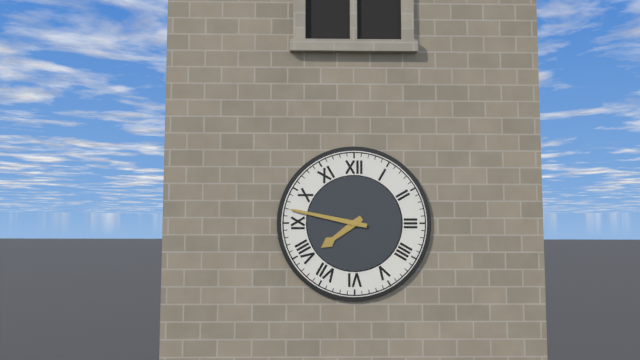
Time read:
7 h 47 min
